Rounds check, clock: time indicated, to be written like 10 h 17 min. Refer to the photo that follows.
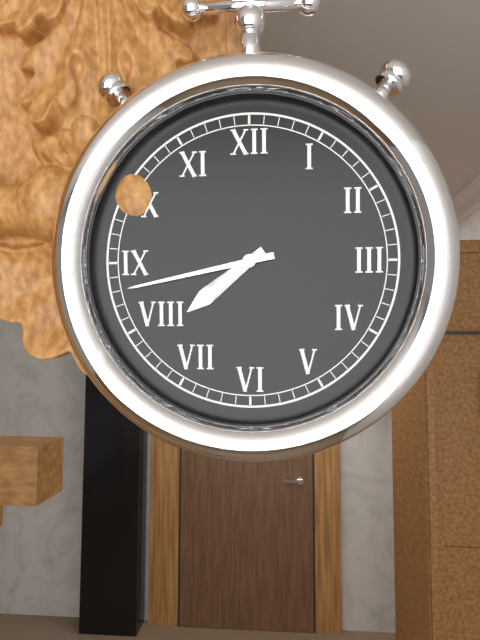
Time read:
7 h 43 min
